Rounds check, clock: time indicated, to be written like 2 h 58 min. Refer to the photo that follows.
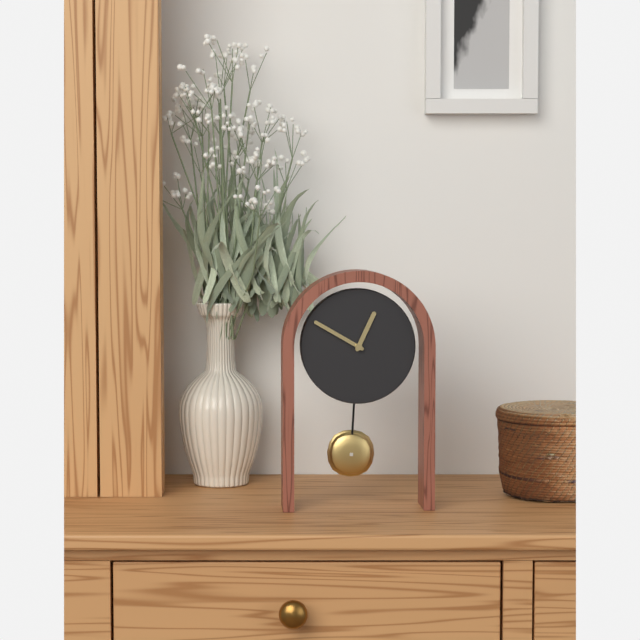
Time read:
12 h 50 min
